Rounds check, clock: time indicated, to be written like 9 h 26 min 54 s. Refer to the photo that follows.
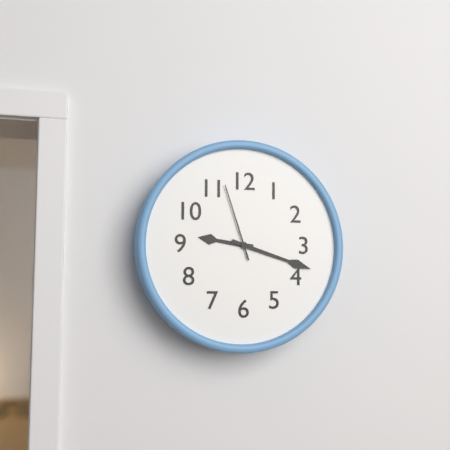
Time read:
9 h 18 min 57 s
